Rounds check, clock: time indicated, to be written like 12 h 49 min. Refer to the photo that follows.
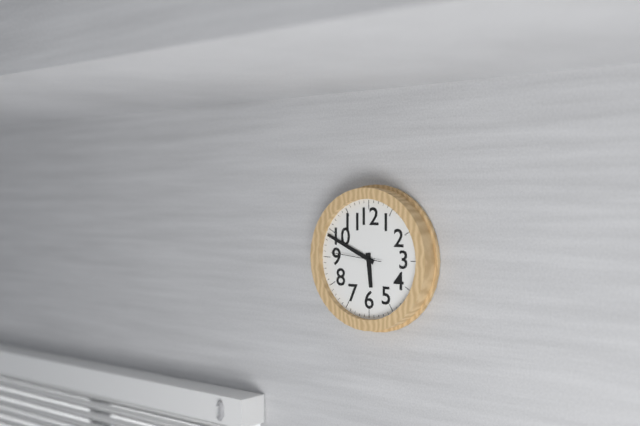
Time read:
5 h 49 min
